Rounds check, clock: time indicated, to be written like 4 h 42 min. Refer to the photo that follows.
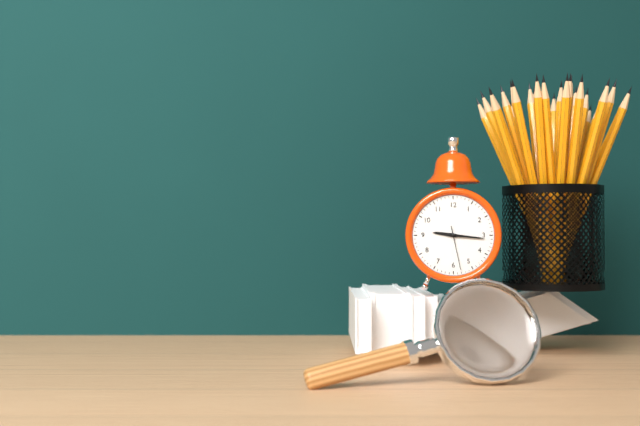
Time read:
9 h 16 min
